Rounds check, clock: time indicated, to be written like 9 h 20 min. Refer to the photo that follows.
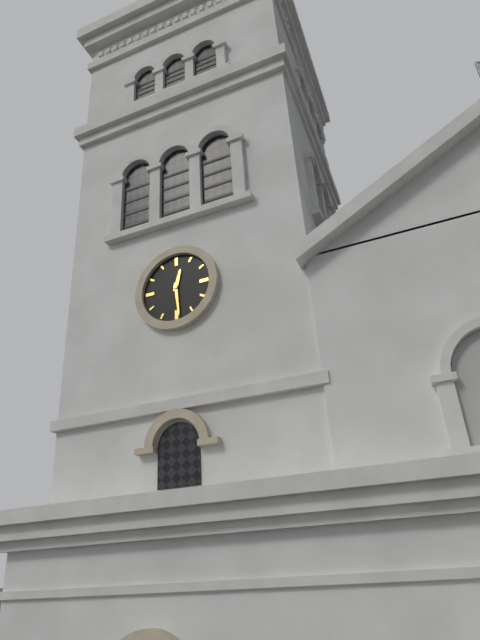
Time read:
12 h 29 min
